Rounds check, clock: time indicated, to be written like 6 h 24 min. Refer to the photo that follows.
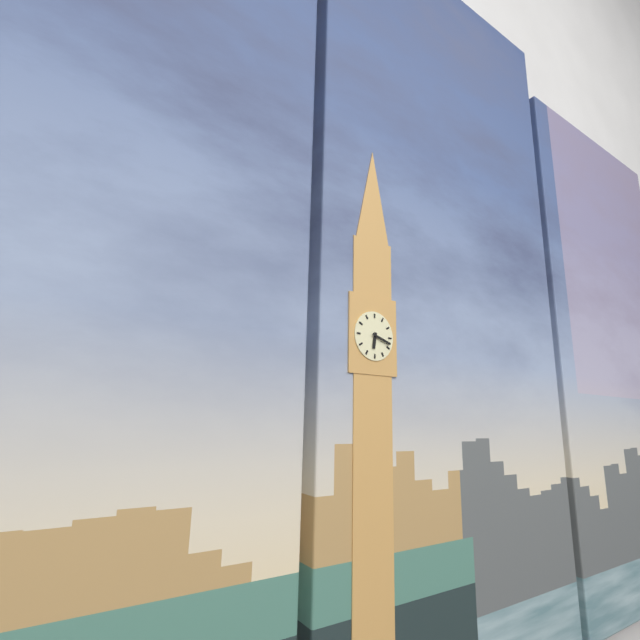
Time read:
6 h 18 min
